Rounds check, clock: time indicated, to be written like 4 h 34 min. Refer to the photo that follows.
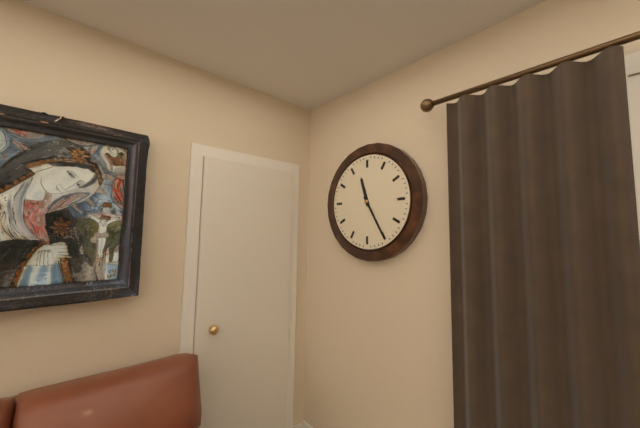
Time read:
11 h 25 min
